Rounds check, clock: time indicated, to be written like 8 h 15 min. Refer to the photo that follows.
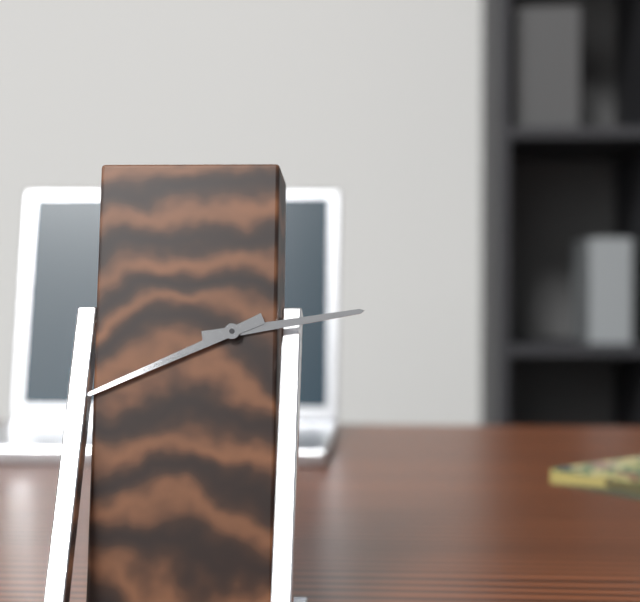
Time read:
2 h 41 min
